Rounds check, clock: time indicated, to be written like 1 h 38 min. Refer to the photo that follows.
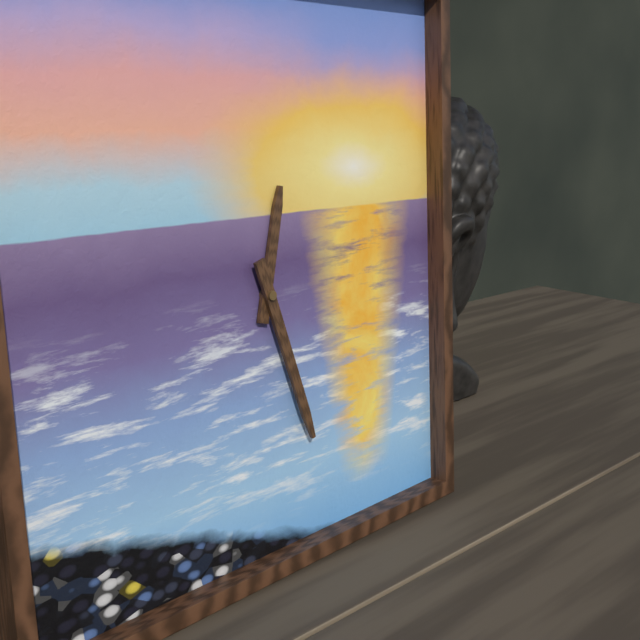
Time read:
12 h 27 min
